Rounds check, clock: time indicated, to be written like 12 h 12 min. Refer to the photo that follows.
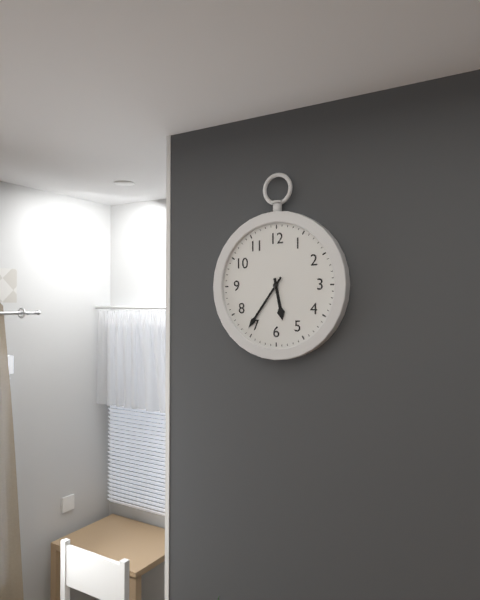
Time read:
5 h 36 min
